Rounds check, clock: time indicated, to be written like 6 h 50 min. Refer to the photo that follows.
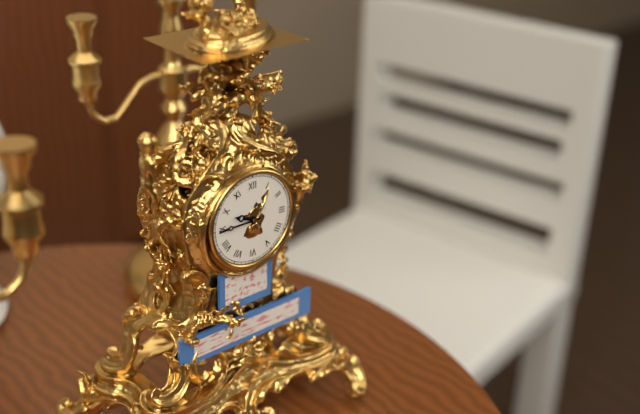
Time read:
9 h 45 min
